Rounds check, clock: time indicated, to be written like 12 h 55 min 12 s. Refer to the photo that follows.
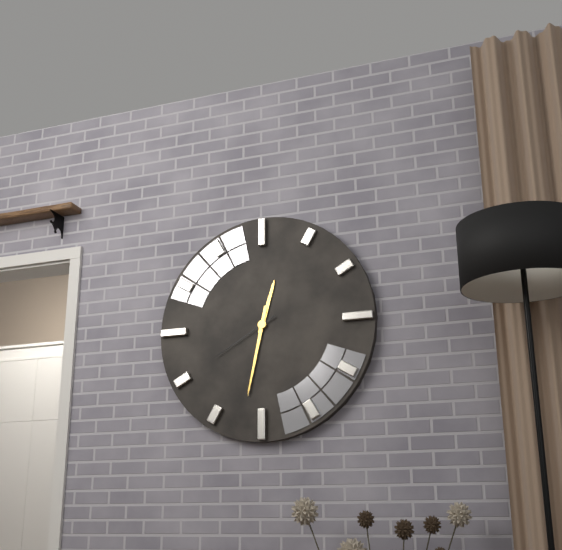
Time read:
12 h 32 min 40 s
